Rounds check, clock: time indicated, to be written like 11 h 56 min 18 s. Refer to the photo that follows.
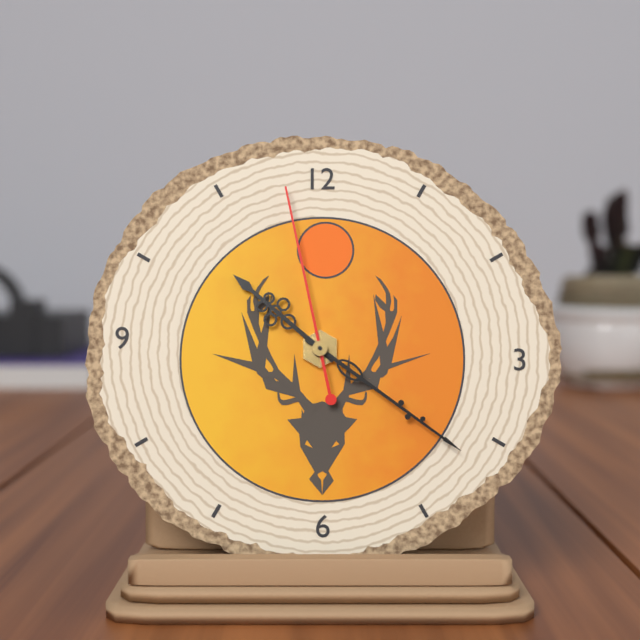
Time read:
10 h 21 min 58 s
